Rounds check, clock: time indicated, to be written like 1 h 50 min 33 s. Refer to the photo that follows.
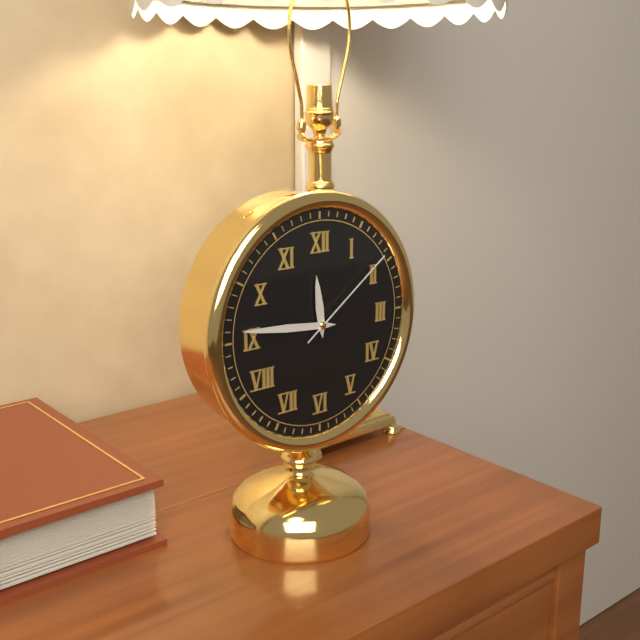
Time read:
11 h 46 min 09 s
